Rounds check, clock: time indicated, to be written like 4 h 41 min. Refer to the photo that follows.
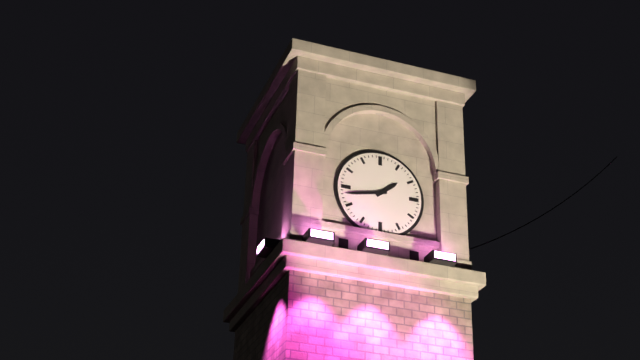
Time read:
1 h 43 min
